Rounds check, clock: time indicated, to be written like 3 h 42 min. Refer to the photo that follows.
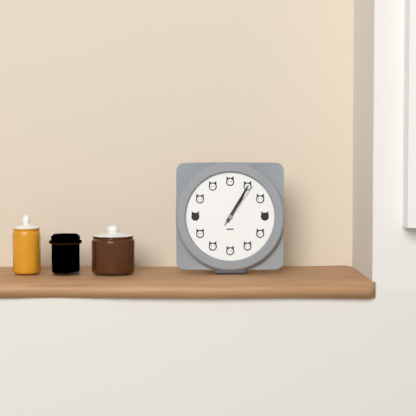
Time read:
1 h 05 min
